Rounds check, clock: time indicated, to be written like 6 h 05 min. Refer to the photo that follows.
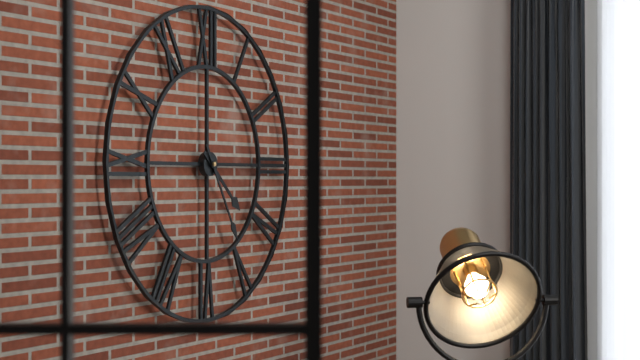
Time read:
4 h 25 min
